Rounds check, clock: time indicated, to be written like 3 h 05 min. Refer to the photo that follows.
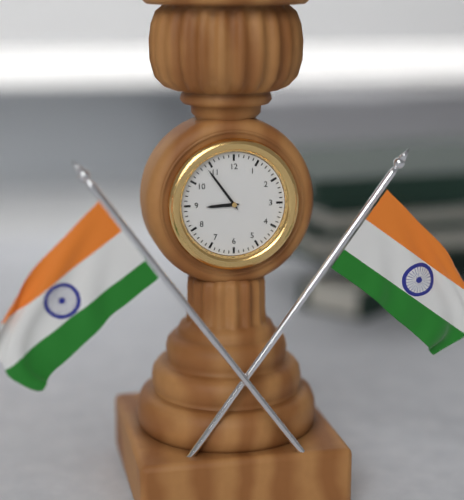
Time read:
8 h 54 min
